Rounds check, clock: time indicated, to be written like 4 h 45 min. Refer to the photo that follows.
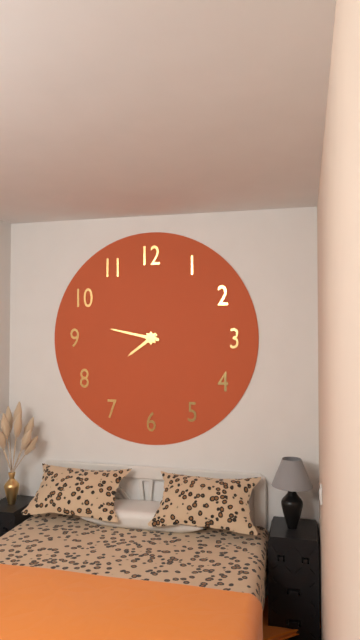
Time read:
7 h 47 min
